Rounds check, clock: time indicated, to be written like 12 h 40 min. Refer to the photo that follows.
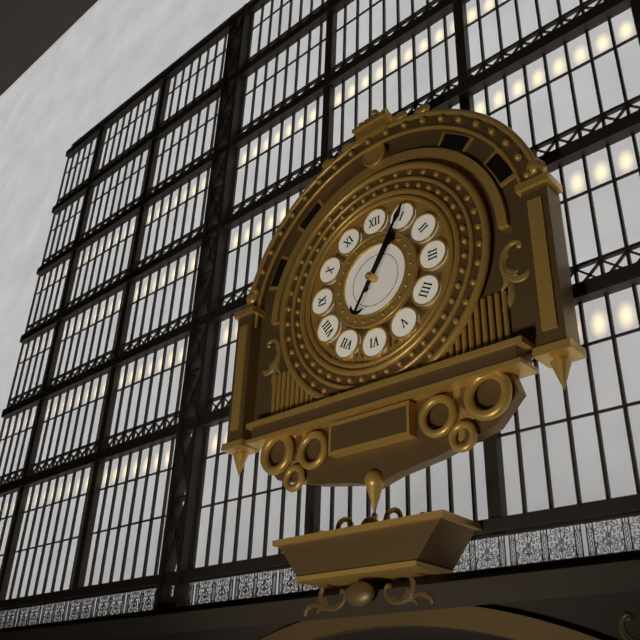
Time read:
1 h 05 min
